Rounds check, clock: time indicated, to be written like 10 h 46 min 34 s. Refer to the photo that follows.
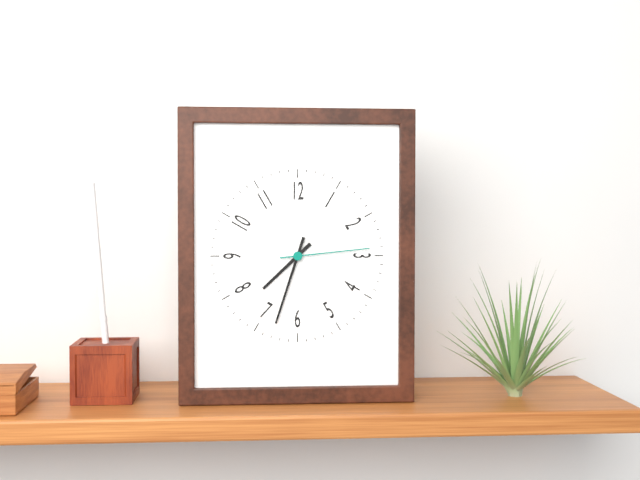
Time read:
7 h 33 min 14 s
